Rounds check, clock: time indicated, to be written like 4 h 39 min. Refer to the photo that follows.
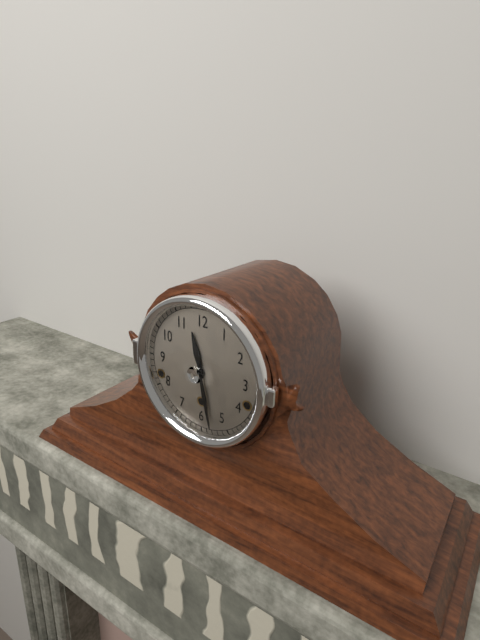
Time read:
11 h 28 min
